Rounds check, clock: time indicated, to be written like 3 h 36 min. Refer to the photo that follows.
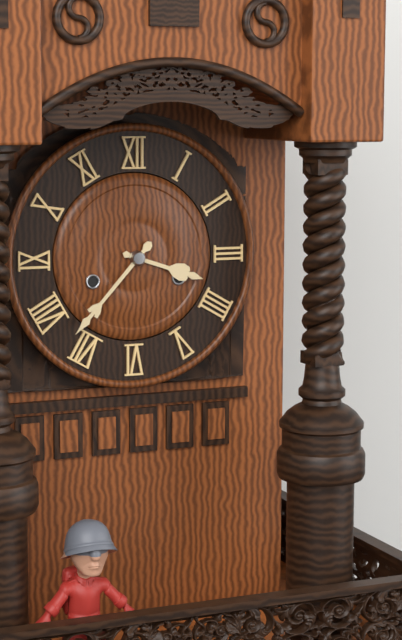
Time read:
3 h 37 min
